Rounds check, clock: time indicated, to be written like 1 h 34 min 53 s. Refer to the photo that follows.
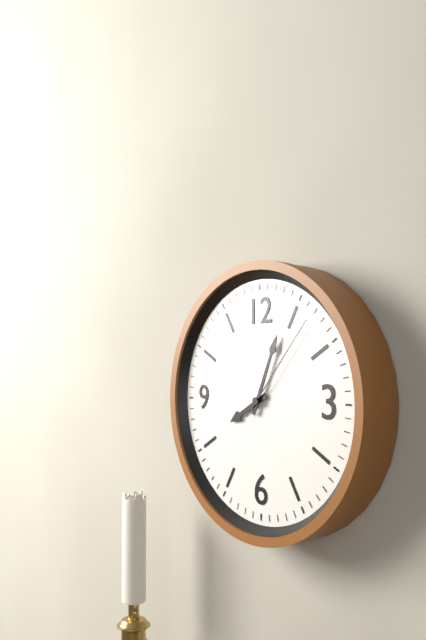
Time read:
8 h 04 min 07 s
